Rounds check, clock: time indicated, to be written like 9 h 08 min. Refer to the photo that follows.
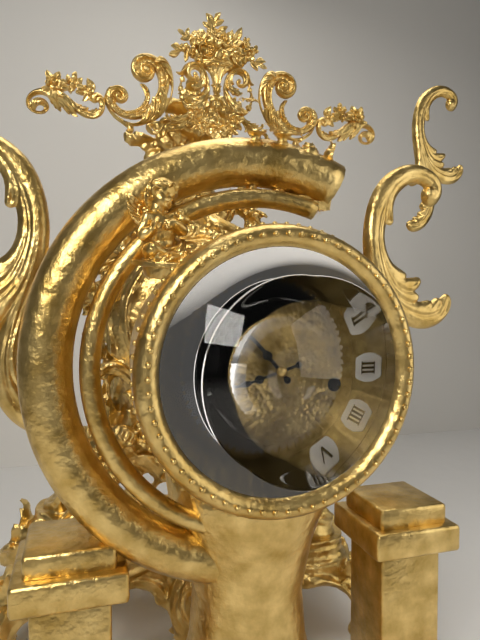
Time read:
10 h 42 min
